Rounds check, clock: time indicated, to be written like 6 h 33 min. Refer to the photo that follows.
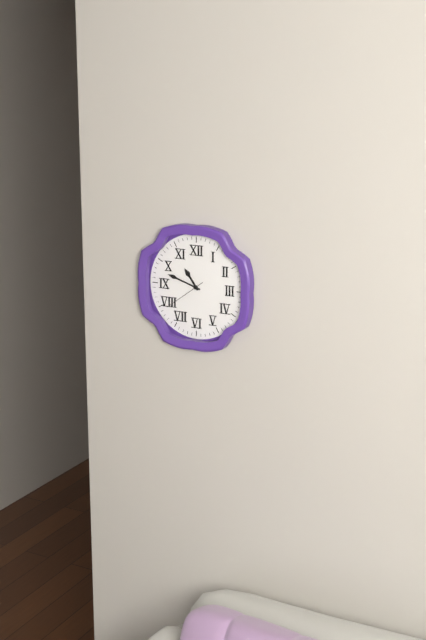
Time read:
10 h 48 min
